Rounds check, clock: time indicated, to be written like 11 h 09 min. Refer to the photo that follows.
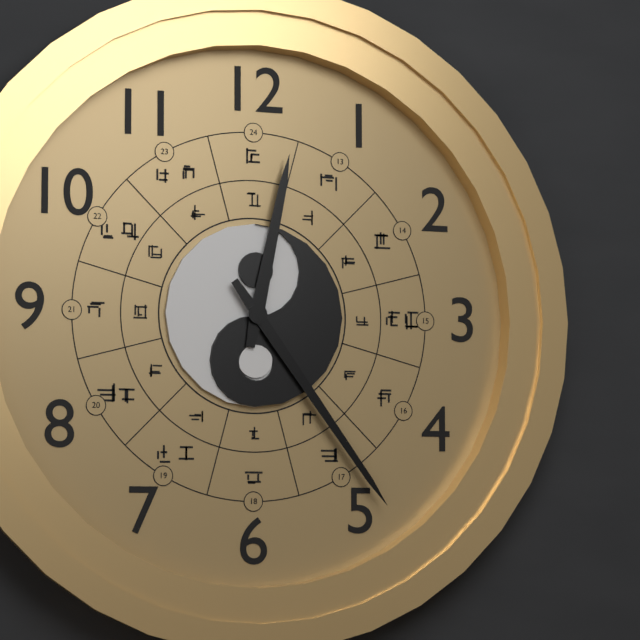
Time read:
12 h 24 min
